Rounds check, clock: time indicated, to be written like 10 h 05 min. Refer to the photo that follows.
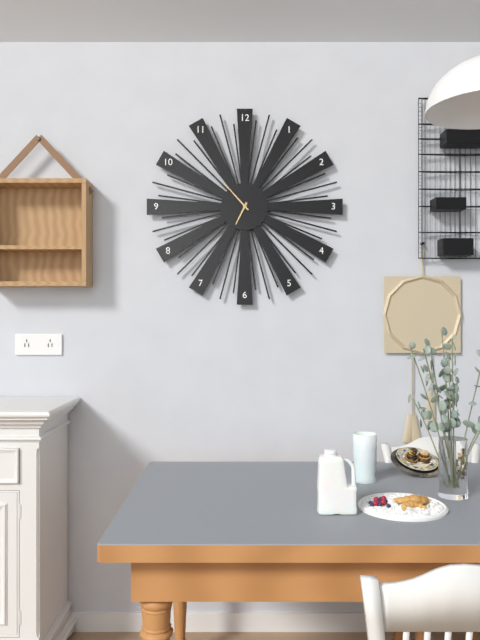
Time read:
6 h 53 min
